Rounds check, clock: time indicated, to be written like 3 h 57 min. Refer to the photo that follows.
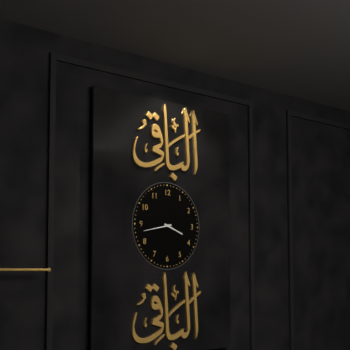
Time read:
3 h 43 min
